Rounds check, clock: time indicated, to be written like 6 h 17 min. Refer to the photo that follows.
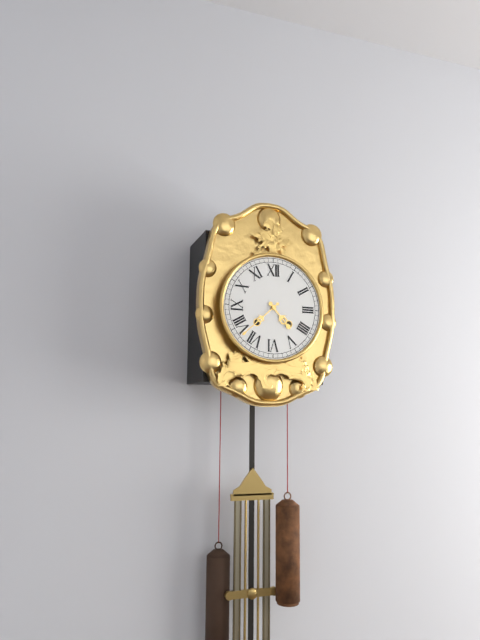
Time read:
4 h 38 min
